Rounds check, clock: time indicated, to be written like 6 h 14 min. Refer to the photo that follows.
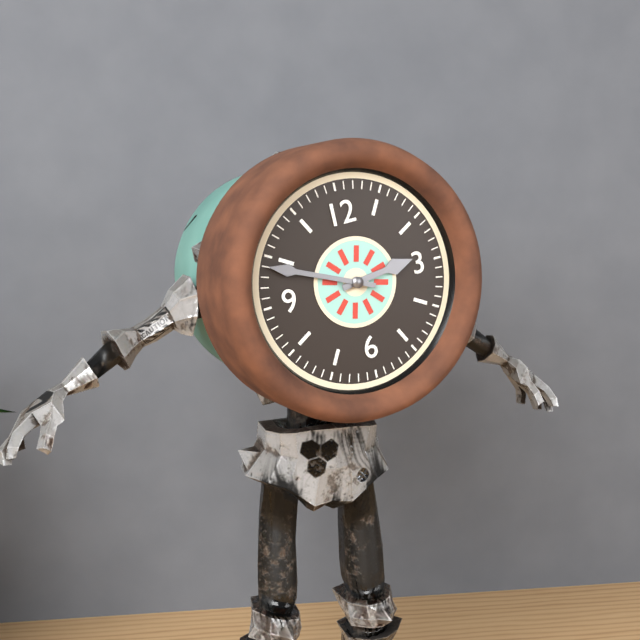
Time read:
2 h 49 min
